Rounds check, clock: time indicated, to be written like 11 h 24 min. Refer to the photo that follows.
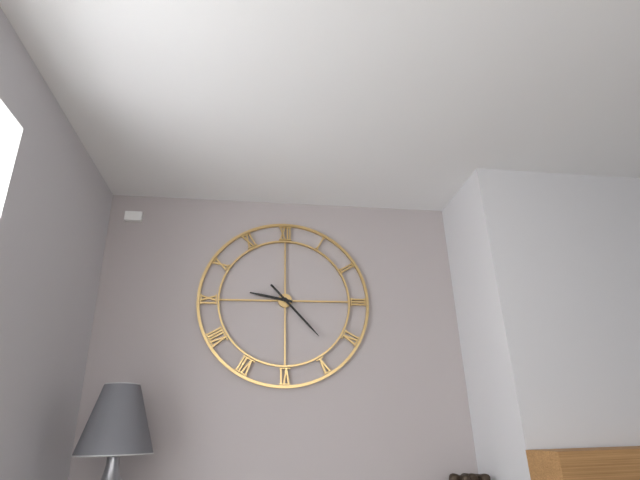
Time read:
9 h 23 min
